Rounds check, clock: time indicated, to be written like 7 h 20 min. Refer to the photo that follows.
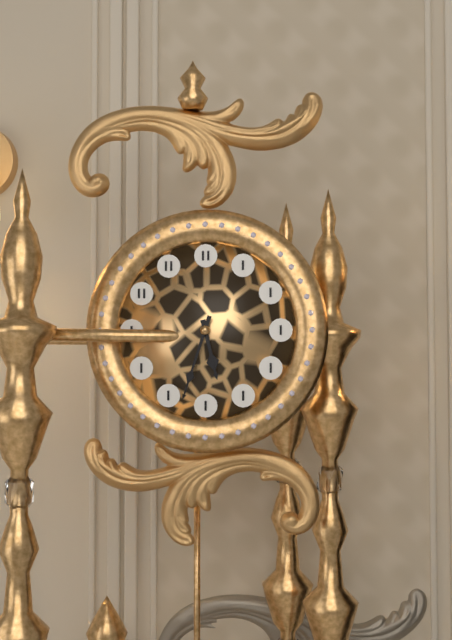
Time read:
5 h 33 min
